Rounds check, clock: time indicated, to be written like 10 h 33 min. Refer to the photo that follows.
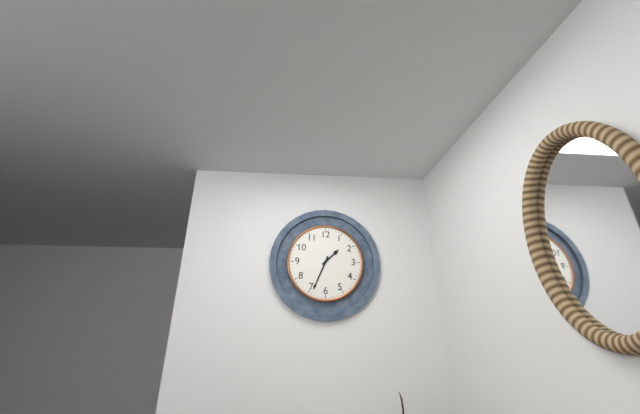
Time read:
1 h 34 min
